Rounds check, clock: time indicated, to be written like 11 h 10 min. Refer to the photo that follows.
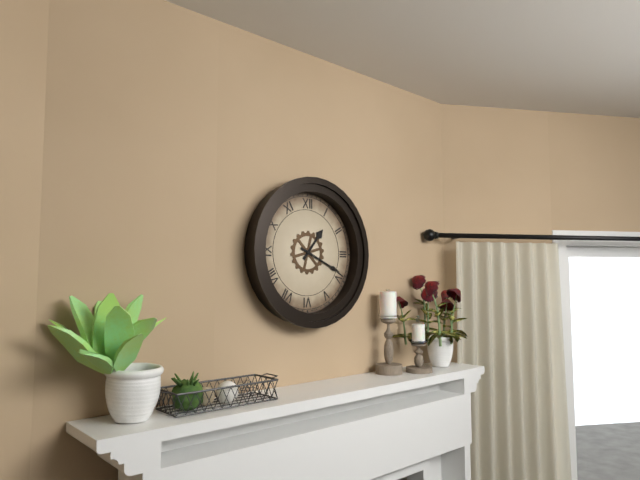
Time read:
1 h 19 min
